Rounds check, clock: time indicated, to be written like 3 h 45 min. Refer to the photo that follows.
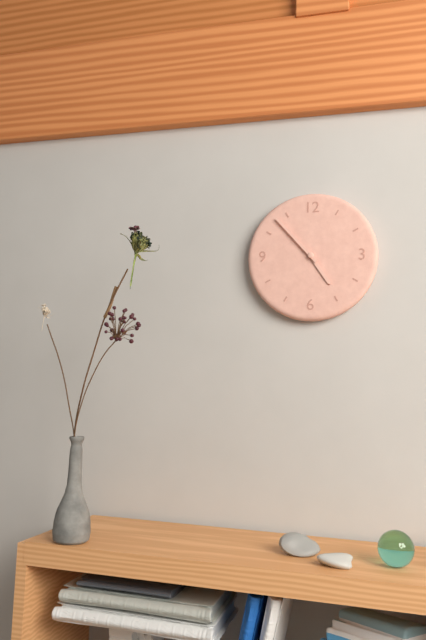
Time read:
4 h 53 min
